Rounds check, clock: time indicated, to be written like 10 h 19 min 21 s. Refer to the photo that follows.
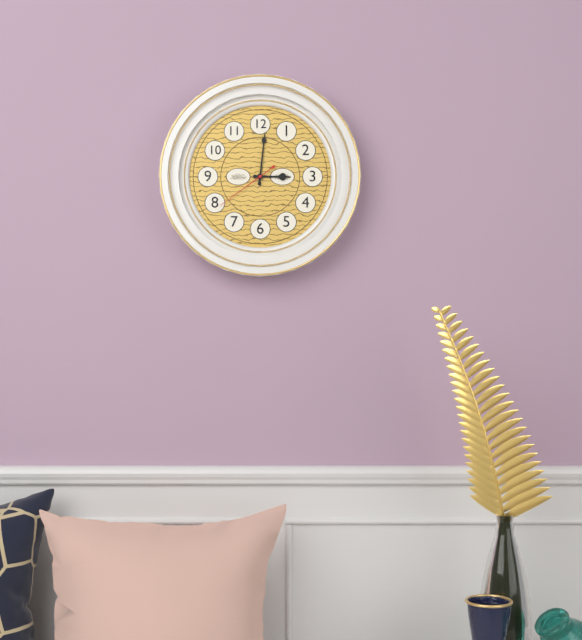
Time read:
3 h 01 min 39 s
